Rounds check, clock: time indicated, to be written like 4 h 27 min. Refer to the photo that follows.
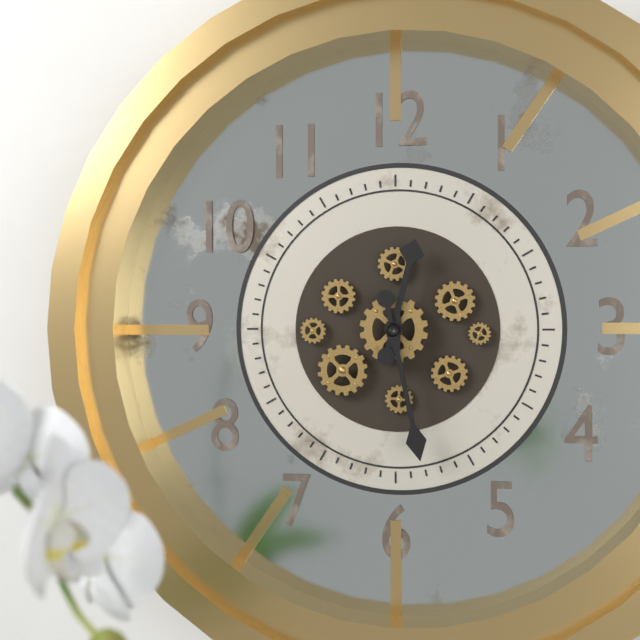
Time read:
12 h 28 min
